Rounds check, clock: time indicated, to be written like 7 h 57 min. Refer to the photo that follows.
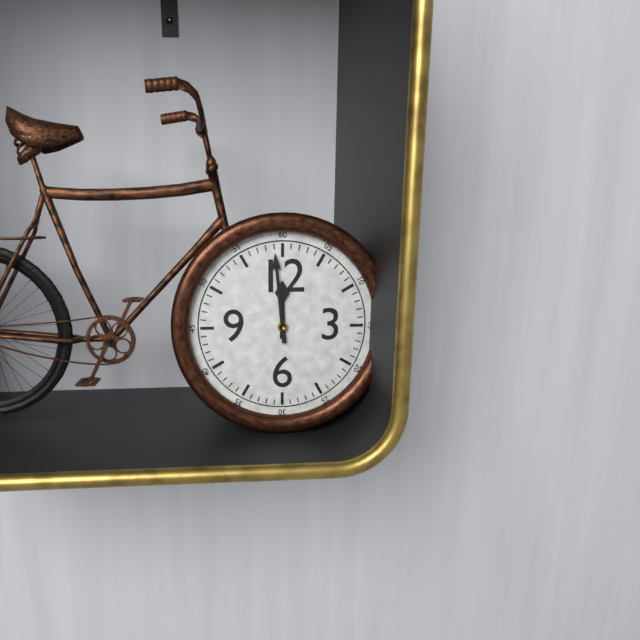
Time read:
11 h 59 min
